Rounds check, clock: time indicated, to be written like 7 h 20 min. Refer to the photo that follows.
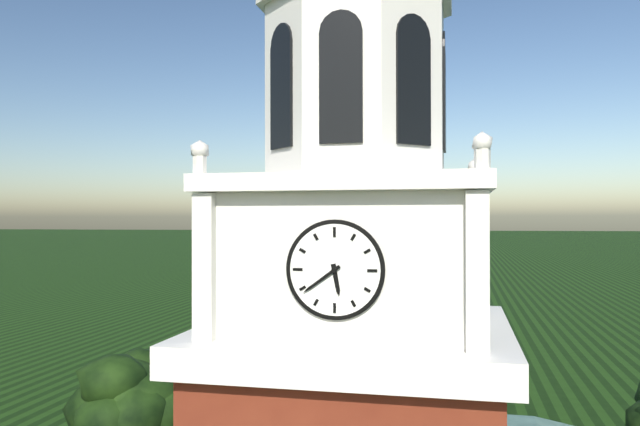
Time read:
5 h 39 min
